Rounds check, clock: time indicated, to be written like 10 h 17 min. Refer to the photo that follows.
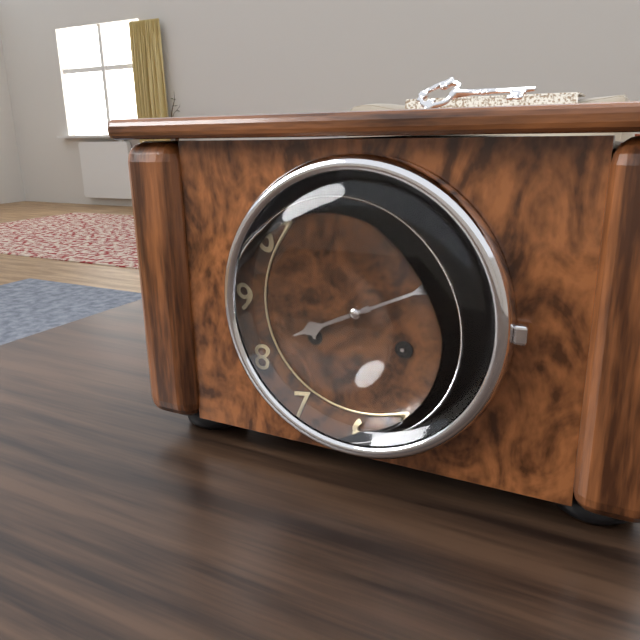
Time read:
8 h 11 min
